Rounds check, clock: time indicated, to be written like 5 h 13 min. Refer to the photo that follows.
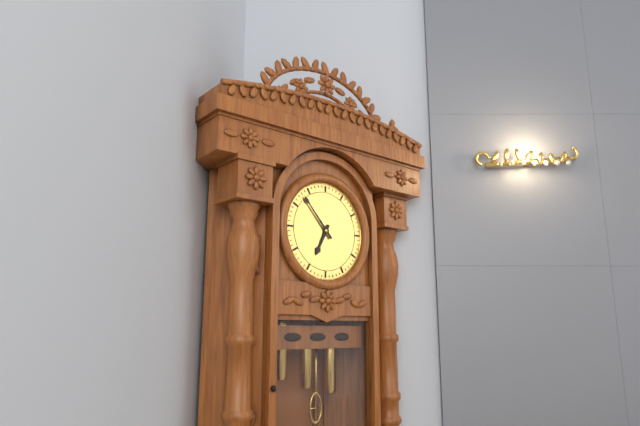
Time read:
6 h 53 min
